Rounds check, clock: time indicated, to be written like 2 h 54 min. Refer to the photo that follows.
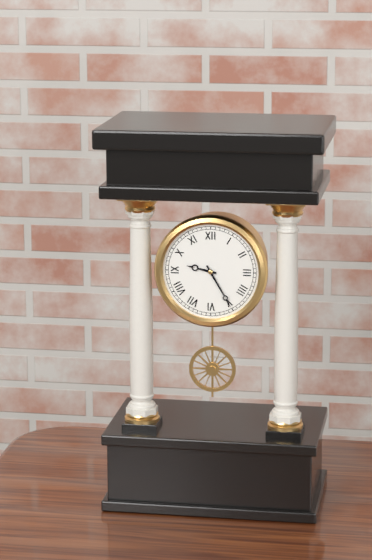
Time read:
9 h 25 min
